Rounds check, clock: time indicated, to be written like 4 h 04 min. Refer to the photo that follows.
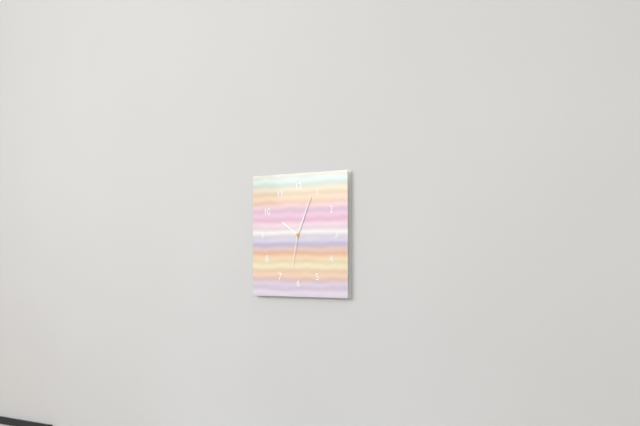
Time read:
10 h 04 min
